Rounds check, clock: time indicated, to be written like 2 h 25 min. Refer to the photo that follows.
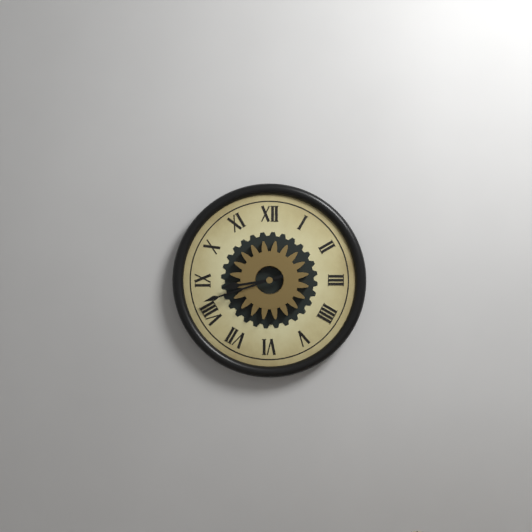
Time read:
8 h 42 min
